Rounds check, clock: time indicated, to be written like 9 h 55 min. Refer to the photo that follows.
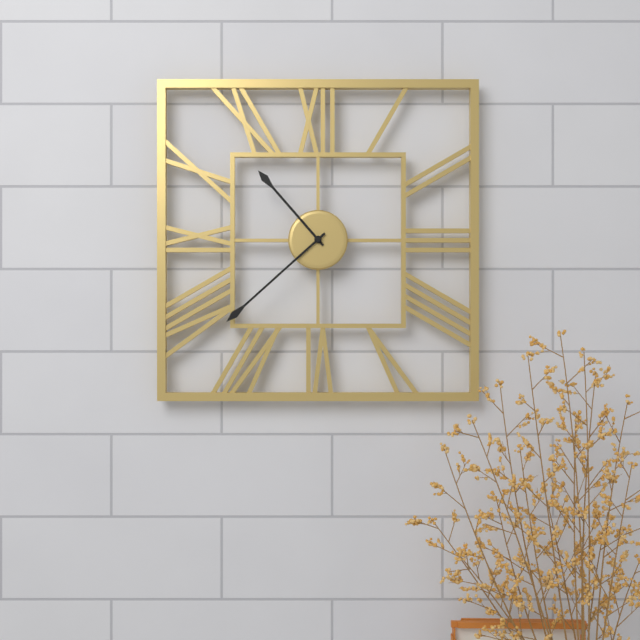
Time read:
10 h 38 min
